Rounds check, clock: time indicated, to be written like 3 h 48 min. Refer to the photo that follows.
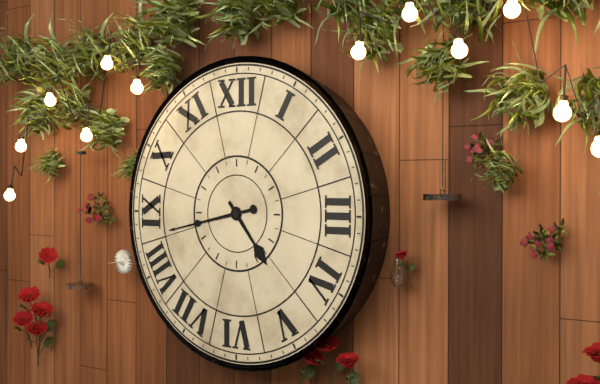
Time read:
4 h 43 min
